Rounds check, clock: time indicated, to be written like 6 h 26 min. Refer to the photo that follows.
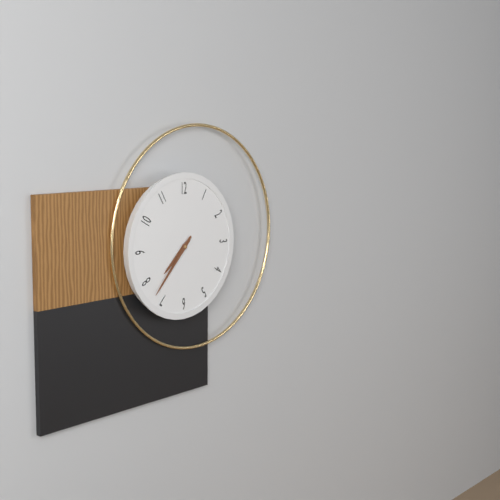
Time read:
7 h 37 min
